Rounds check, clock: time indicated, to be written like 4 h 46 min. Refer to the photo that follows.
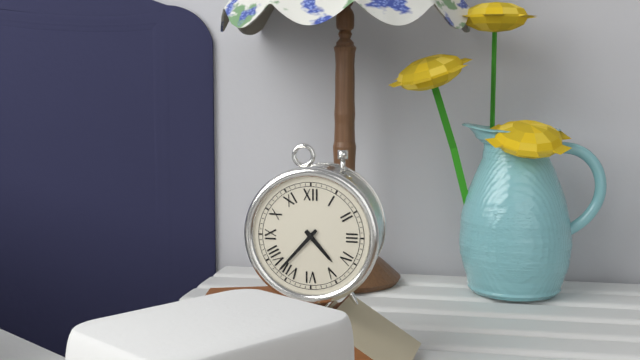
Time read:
4 h 37 min
